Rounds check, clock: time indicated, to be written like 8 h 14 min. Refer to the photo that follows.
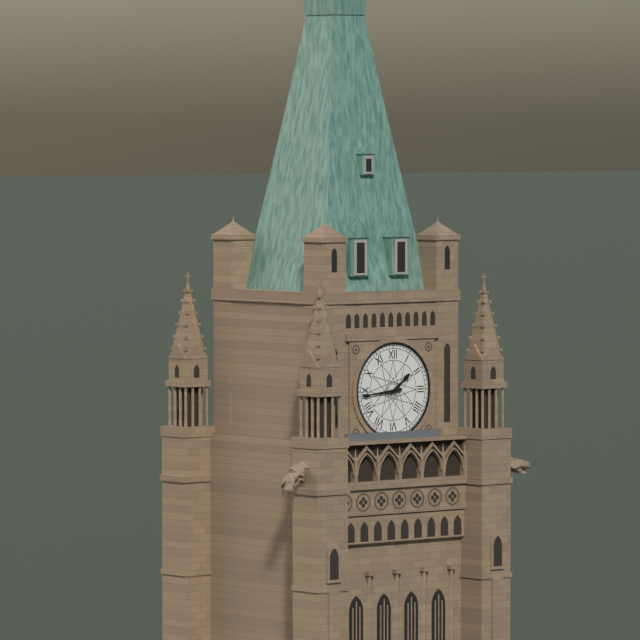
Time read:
1 h 44 min
